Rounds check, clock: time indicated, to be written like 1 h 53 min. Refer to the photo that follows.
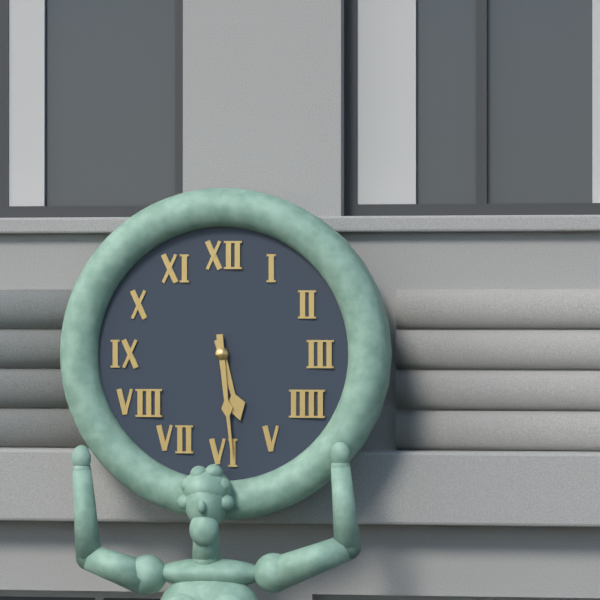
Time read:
5 h 29 min
